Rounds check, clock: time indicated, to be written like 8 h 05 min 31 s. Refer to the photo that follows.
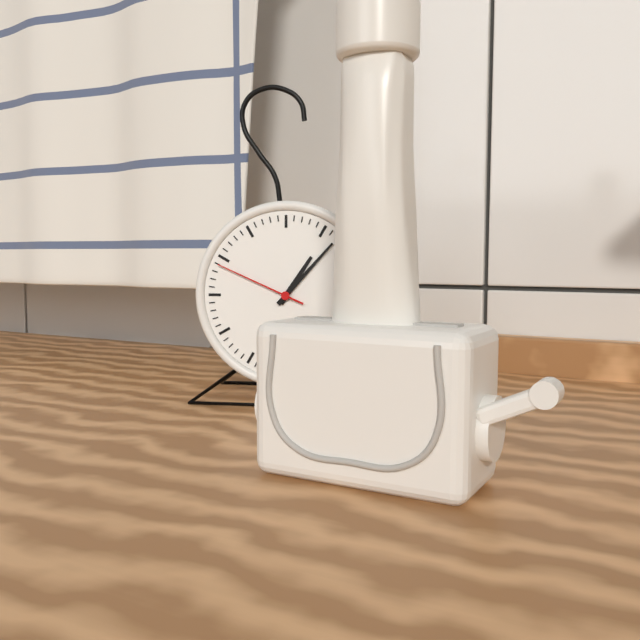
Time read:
1 h 07 min 49 s
